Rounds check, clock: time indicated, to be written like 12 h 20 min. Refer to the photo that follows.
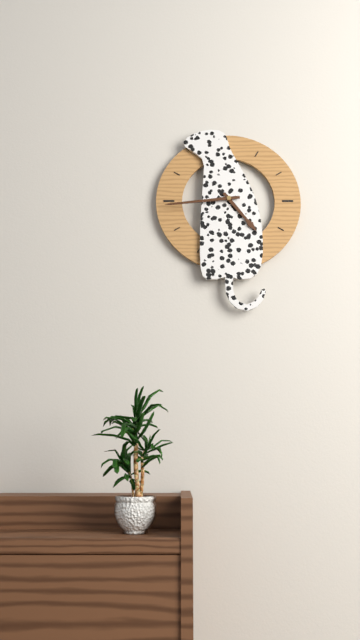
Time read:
4 h 44 min
